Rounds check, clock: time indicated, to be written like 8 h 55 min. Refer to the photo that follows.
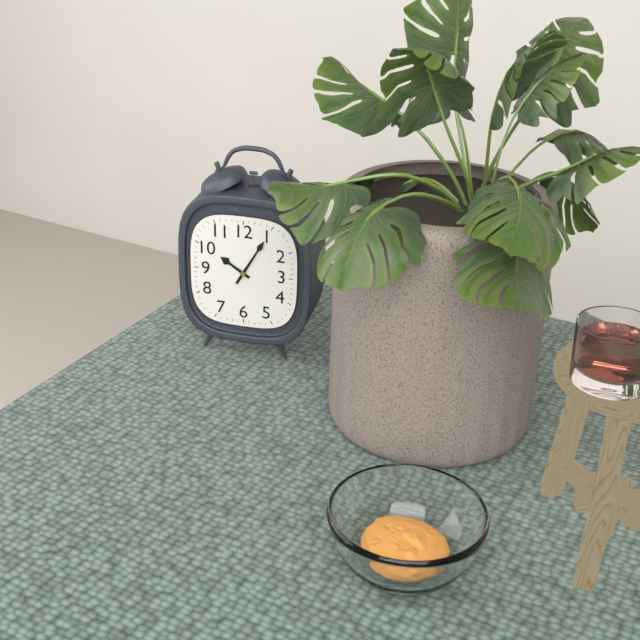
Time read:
10 h 05 min
